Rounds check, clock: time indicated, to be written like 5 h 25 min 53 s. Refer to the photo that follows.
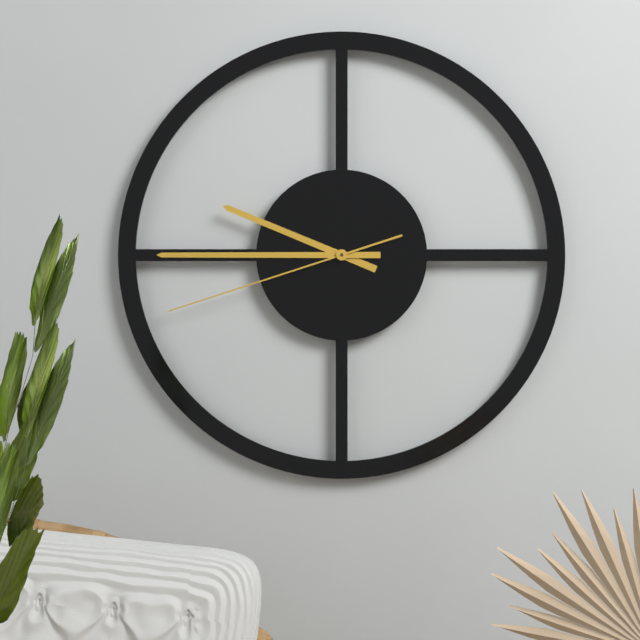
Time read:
9 h 45 min 42 s
